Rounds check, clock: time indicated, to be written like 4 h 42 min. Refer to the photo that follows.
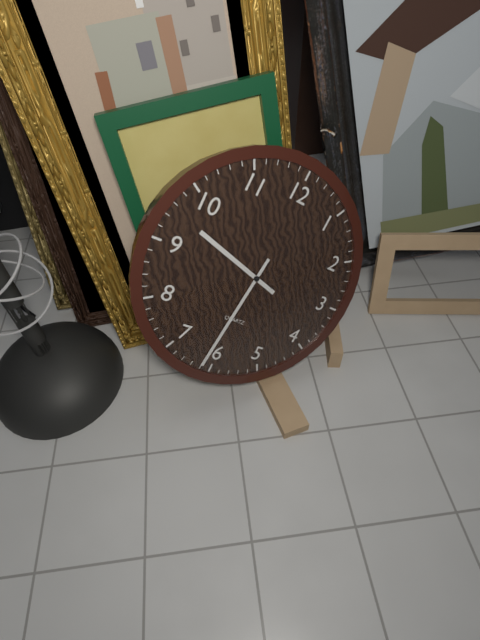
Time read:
9 h 31 min
